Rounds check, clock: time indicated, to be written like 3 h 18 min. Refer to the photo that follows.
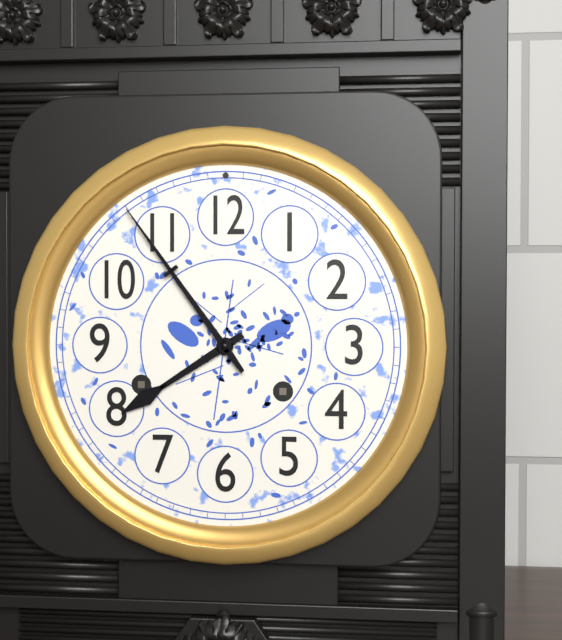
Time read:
7 h 54 min
